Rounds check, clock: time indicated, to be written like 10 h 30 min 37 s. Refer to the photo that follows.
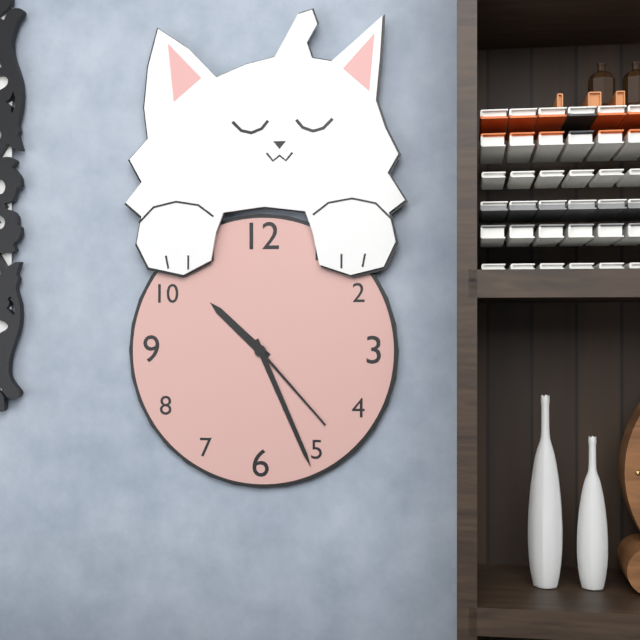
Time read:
10 h 26 min 23 s
